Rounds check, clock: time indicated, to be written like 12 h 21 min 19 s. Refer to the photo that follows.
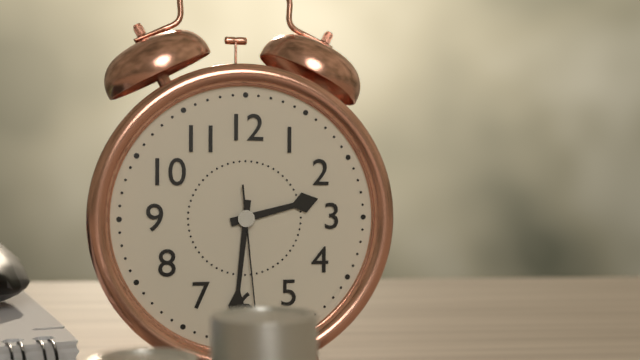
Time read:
2 h 31 min 29 s
